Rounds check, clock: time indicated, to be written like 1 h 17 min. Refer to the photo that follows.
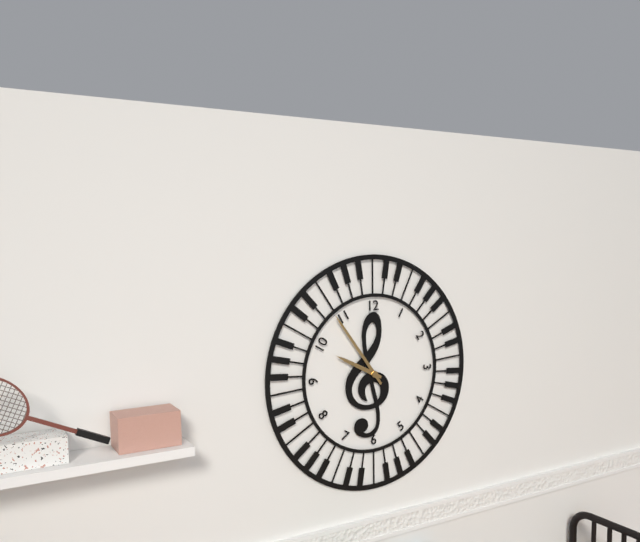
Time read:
9 h 54 min
